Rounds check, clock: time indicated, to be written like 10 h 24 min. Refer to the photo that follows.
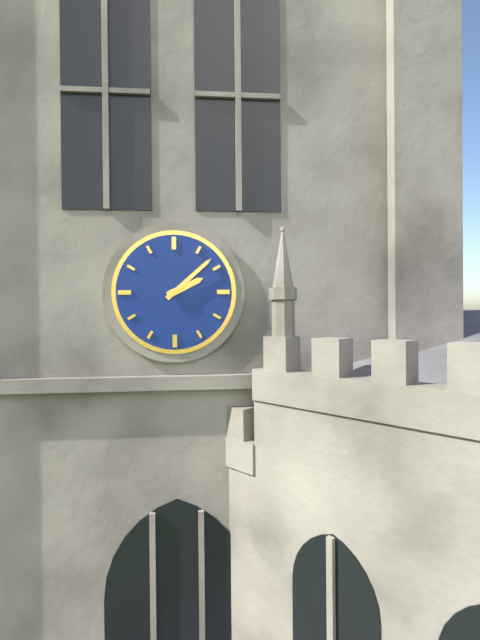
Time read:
2 h 08 min
